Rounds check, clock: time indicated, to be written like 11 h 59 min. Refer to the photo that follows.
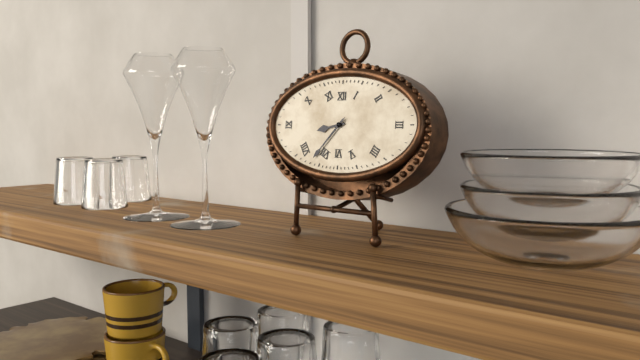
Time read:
8 h 37 min
